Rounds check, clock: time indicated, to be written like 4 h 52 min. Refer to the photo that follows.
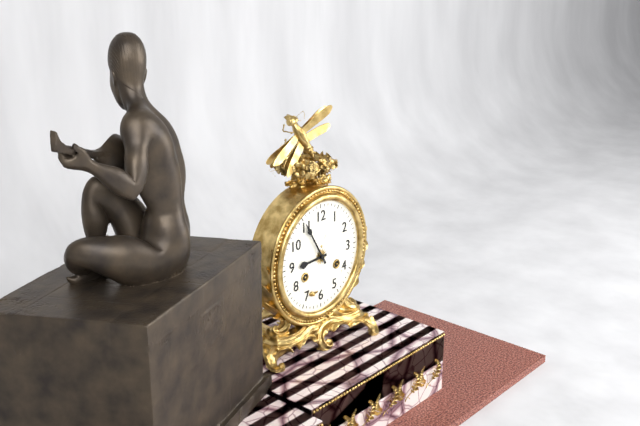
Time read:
8 h 55 min
